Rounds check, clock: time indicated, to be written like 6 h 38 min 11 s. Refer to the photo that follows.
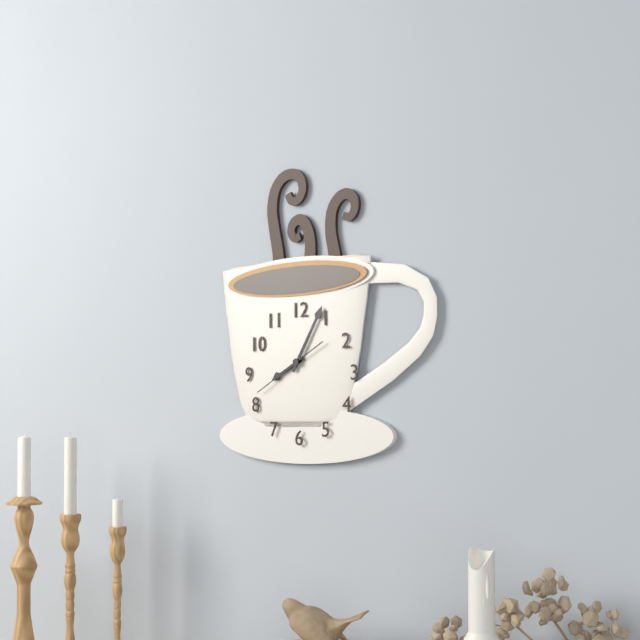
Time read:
8 h 05 min 40 s
